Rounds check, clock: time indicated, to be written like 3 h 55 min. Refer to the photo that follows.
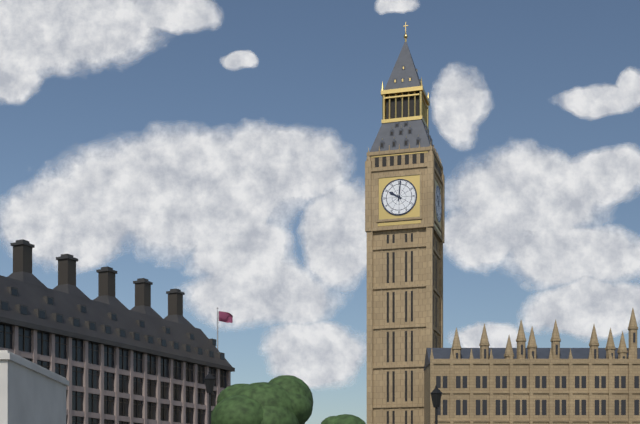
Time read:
10 h 01 min
